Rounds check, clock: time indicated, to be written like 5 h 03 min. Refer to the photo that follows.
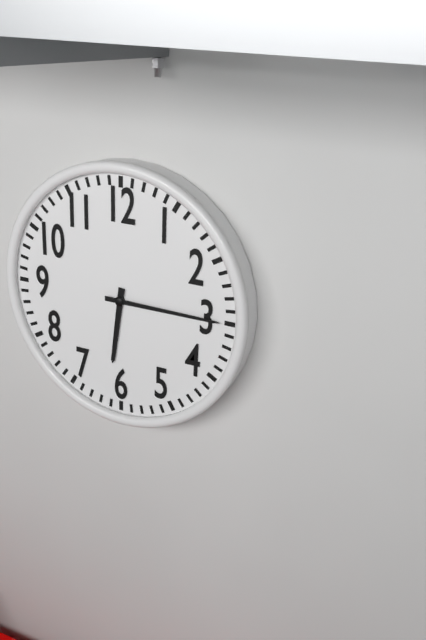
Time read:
6 h 15 min
